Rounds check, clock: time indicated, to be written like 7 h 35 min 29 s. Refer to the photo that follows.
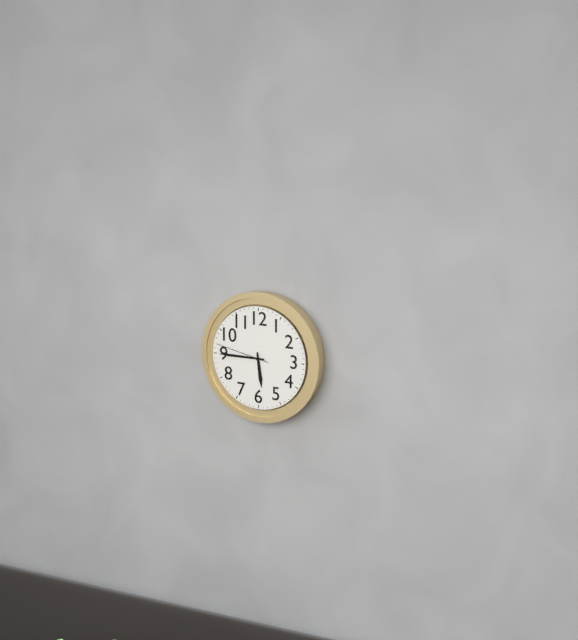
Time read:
5 h 45 min 47 s
